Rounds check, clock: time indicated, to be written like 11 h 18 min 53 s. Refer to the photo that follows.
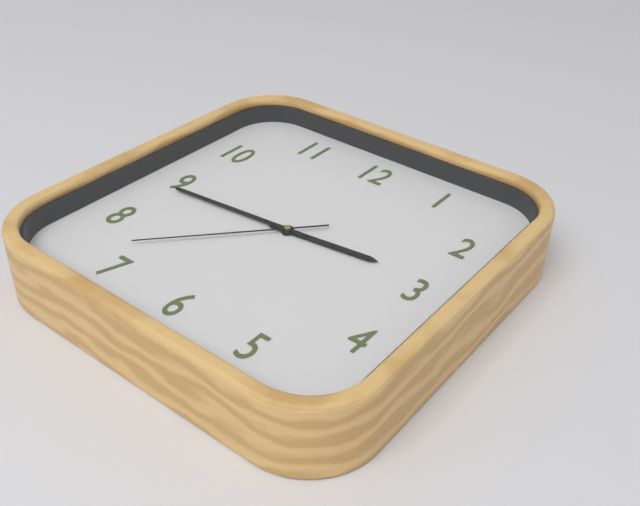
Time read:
2 h 44 min 37 s
